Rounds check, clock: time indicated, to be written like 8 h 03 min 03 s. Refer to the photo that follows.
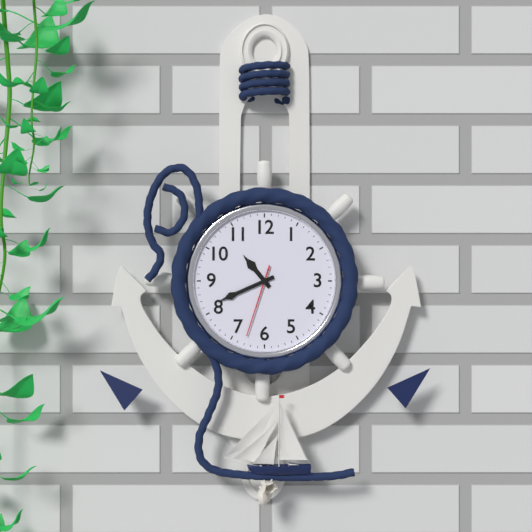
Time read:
10 h 41 min 33 s
